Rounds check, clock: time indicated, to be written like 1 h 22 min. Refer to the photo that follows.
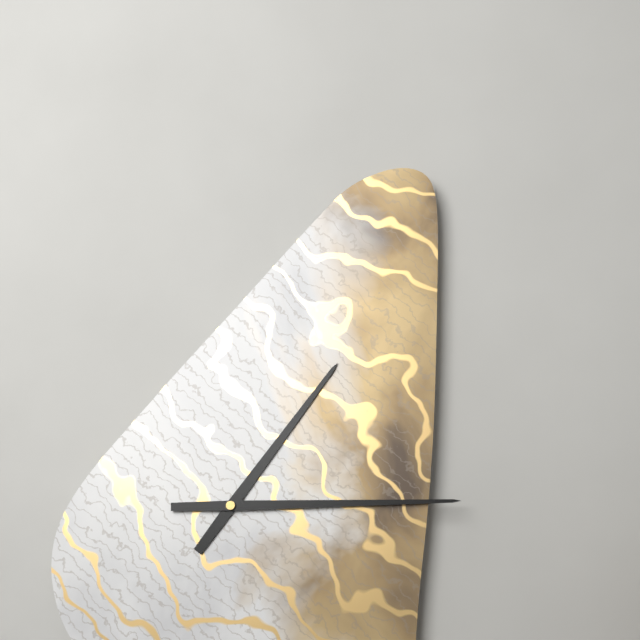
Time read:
1 h 15 min
